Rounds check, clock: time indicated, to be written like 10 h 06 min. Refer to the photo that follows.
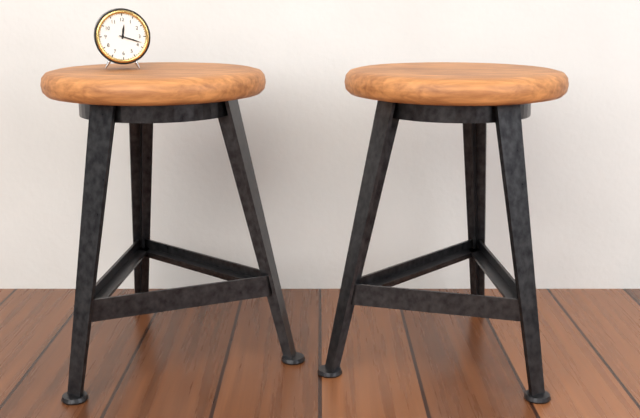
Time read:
12 h 18 min
